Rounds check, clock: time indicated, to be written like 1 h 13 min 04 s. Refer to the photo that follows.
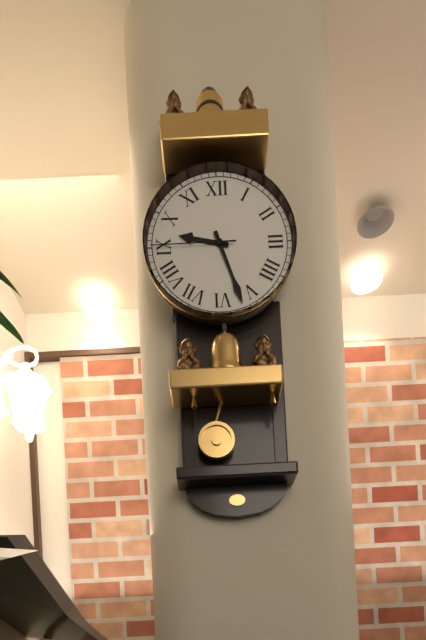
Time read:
9 h 27 min 45 s
